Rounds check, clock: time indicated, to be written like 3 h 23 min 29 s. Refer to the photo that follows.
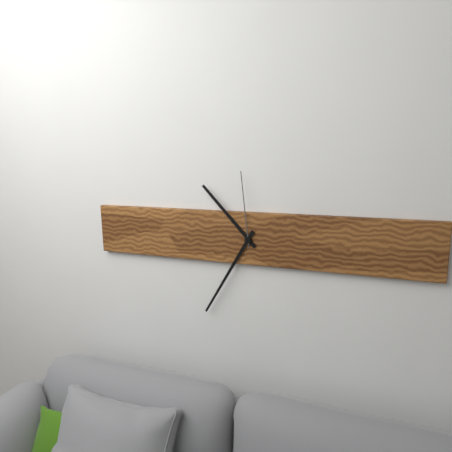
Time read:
10 h 35 min 59 s
